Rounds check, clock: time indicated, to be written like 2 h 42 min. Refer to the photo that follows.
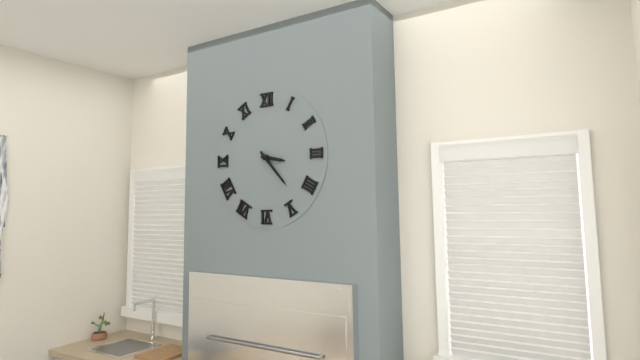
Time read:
3 h 23 min
